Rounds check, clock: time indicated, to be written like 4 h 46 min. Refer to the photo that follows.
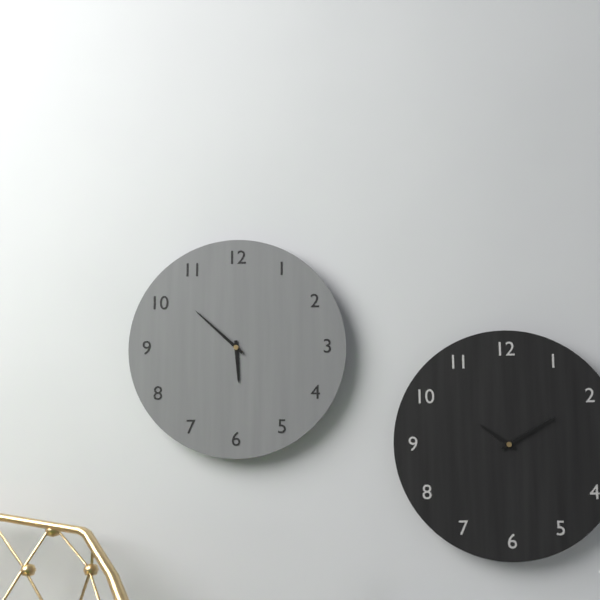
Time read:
5 h 52 min
